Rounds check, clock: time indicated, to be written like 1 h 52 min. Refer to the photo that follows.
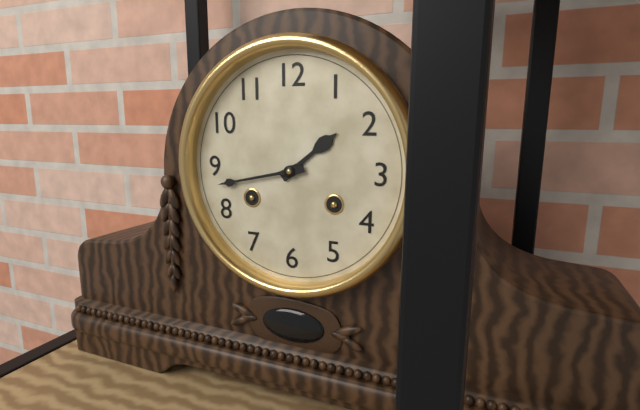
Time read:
1 h 43 min
